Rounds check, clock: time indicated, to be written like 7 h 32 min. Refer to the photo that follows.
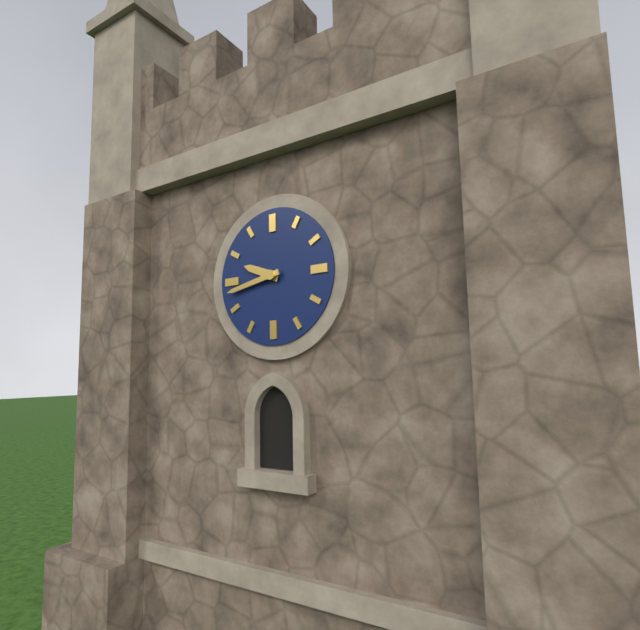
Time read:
9 h 43 min
